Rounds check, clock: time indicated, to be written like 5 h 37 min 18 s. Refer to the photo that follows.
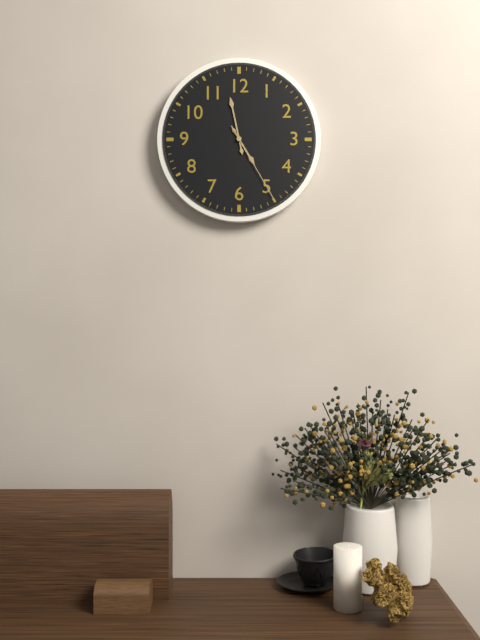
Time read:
4 h 58 min 25 s
